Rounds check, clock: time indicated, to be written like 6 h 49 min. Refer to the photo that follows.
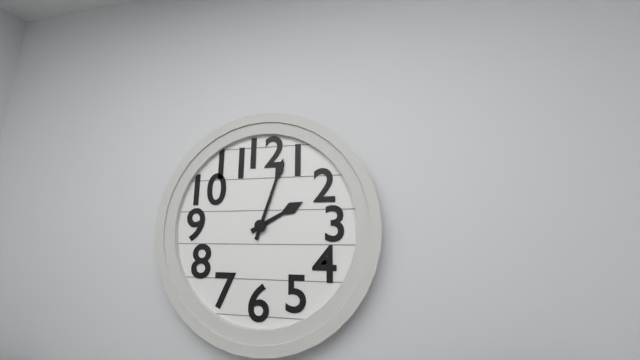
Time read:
2 h 03 min
